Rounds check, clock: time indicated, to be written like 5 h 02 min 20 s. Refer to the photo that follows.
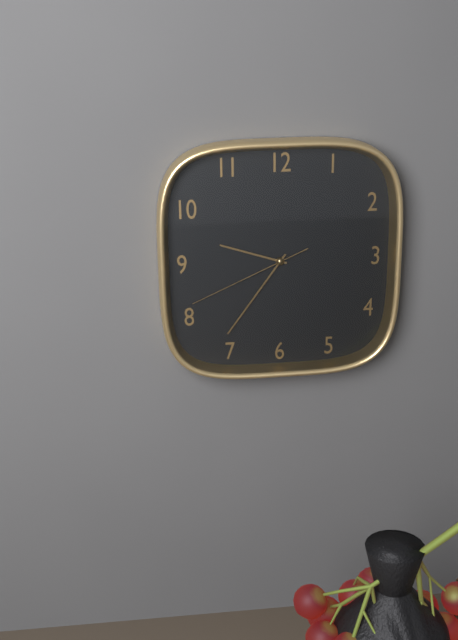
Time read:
9 h 36 min 41 s
